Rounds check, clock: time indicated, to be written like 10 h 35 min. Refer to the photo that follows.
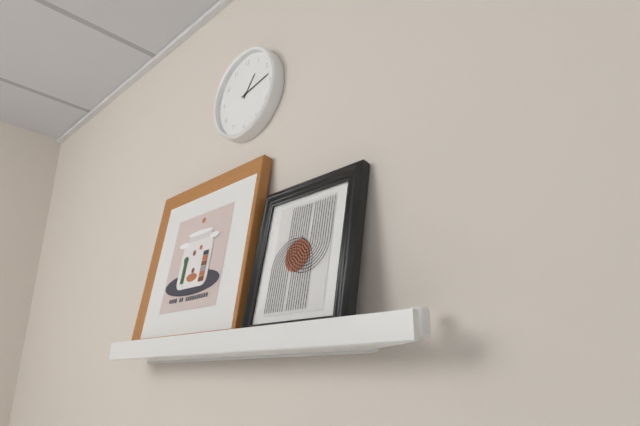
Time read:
1 h 13 min
